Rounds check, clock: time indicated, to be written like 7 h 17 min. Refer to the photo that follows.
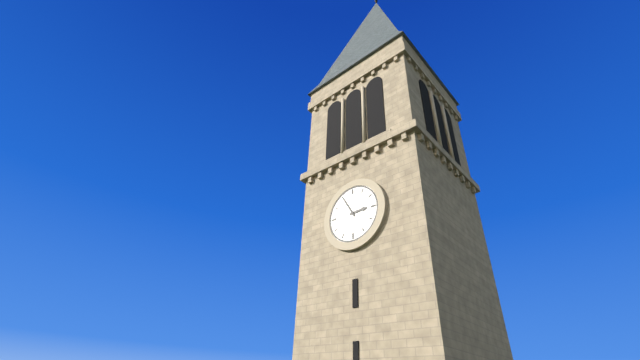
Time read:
2 h 55 min
